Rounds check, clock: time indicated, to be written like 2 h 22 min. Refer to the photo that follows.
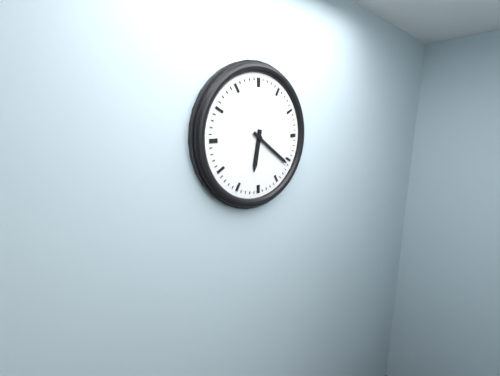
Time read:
6 h 21 min
